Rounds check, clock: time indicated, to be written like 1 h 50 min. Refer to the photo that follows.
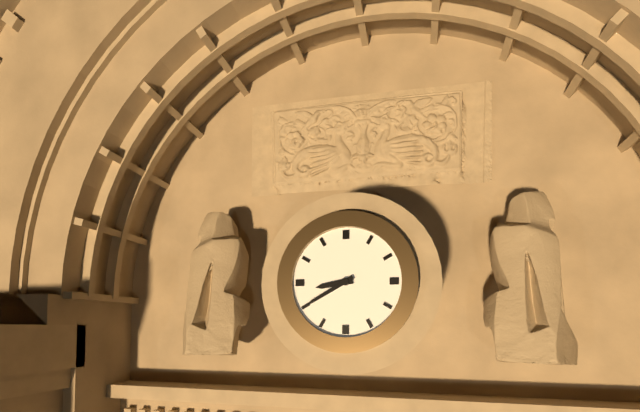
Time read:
8 h 40 min
